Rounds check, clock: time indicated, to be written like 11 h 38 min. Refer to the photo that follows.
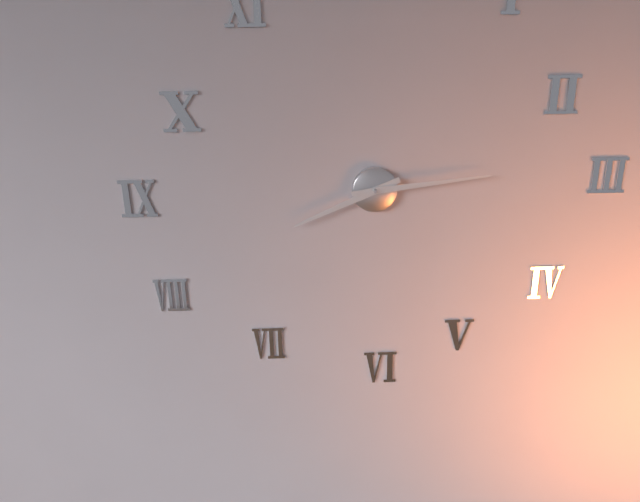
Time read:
8 h 14 min
